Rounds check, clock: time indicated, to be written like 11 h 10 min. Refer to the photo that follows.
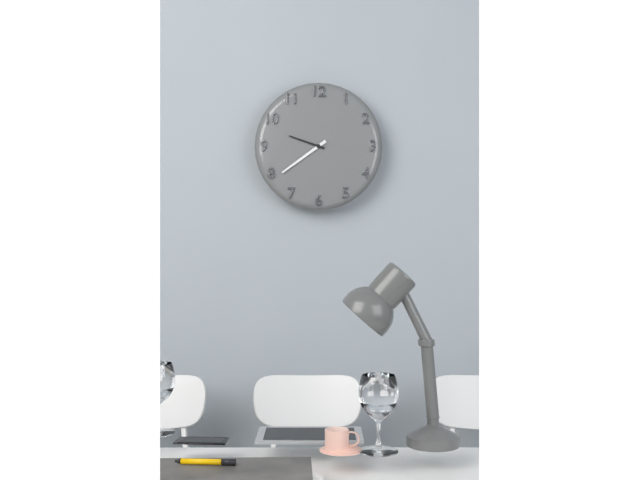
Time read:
9 h 39 min
